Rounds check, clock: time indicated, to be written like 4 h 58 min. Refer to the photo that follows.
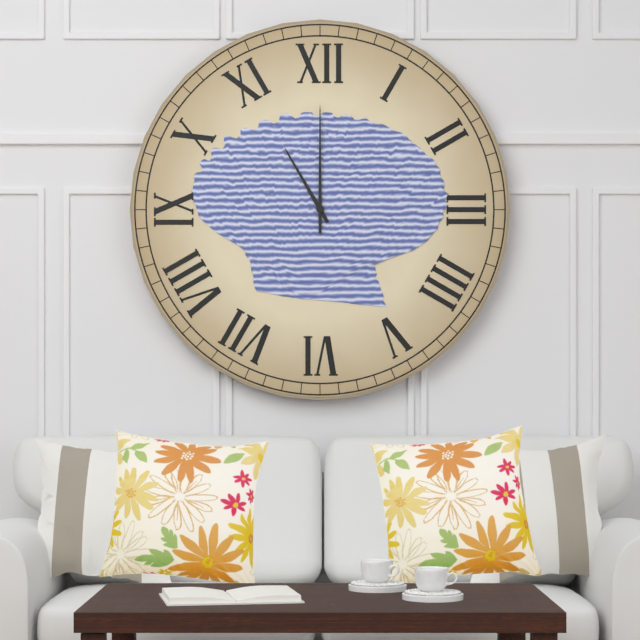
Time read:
11 h 00 min
